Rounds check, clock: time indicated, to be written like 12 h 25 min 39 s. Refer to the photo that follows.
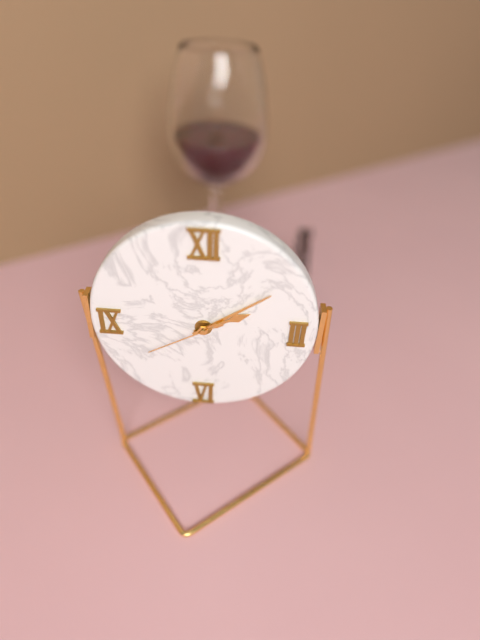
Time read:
2 h 09 min 40 s
